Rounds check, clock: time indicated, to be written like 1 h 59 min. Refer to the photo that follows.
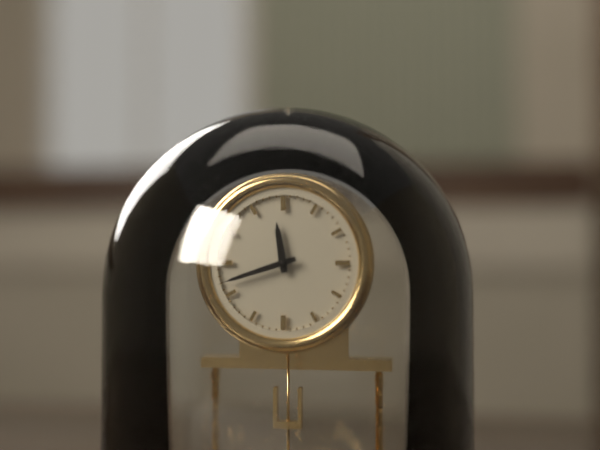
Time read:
11 h 42 min
